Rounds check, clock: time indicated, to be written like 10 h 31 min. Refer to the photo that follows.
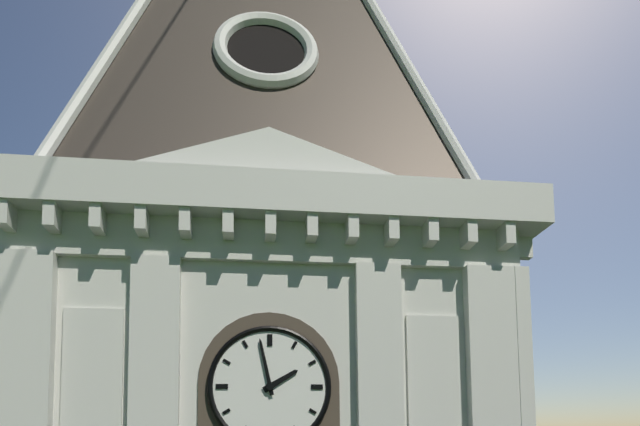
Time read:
1 h 58 min
